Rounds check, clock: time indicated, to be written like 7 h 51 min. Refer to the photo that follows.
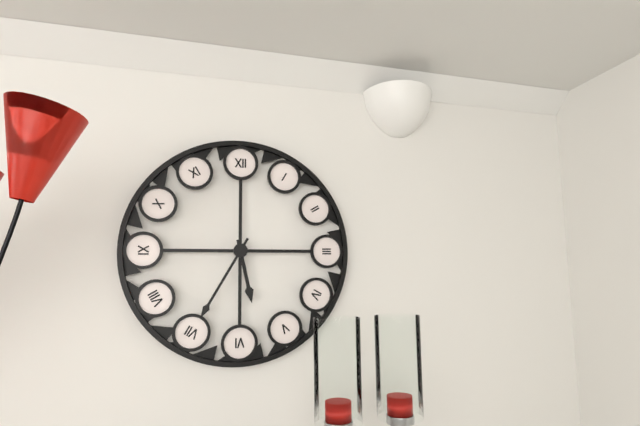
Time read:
5 h 35 min
